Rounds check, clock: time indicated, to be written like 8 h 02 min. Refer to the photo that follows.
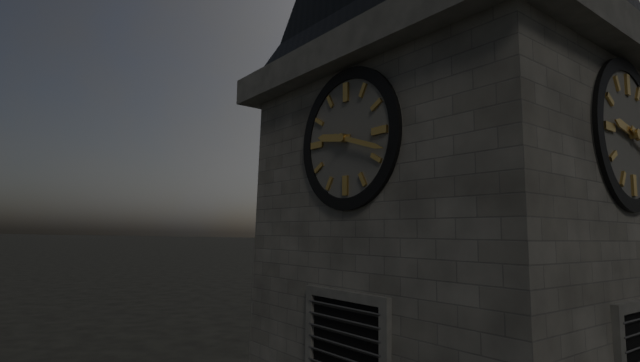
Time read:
9 h 18 min
